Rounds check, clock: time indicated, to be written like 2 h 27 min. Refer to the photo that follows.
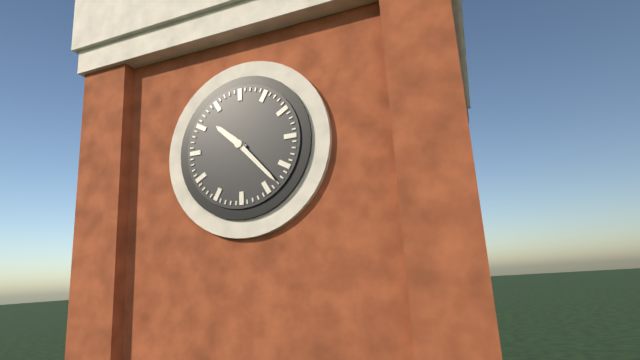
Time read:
10 h 23 min
